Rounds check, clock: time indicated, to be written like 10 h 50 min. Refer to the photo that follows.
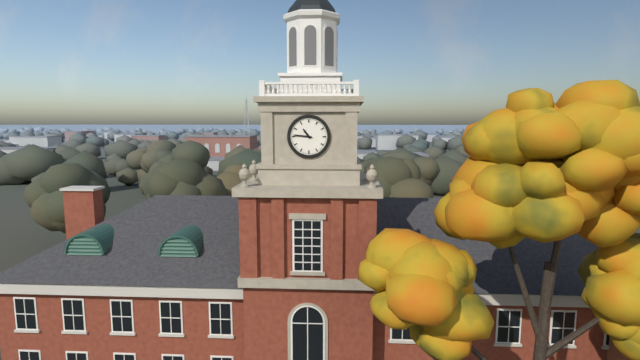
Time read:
10 h 46 min
